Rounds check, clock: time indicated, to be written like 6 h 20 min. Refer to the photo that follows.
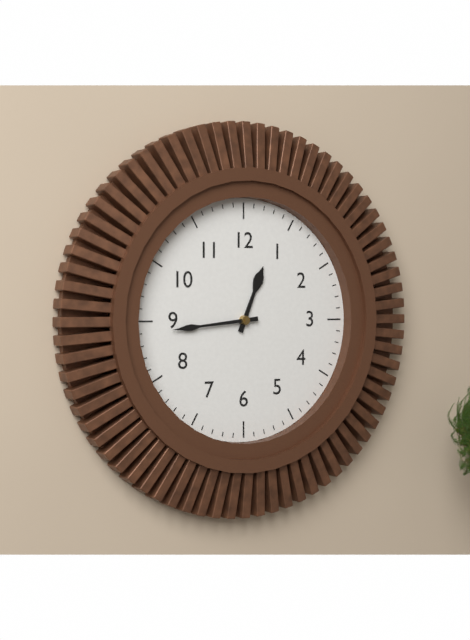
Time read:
12 h 44 min
